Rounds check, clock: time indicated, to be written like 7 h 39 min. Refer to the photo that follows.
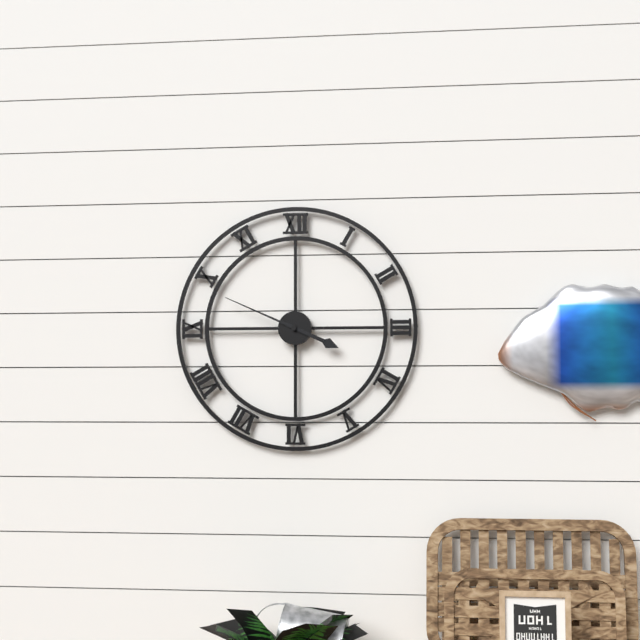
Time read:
3 h 49 min
